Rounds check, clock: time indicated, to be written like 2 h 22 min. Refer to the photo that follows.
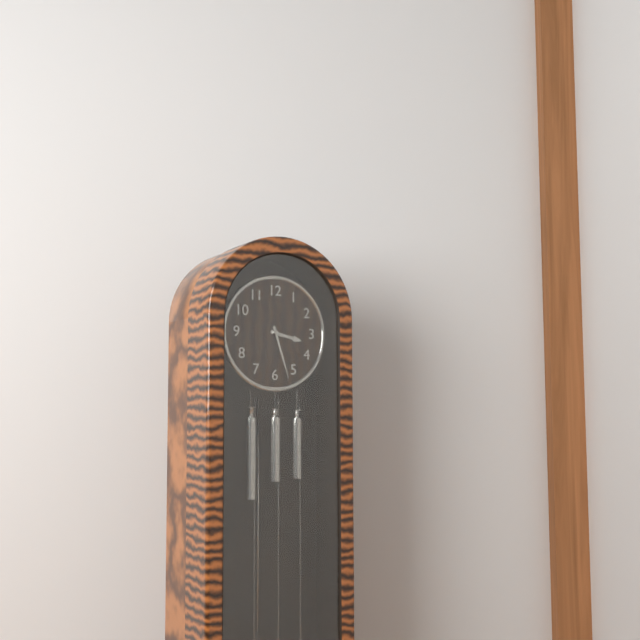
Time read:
3 h 27 min
